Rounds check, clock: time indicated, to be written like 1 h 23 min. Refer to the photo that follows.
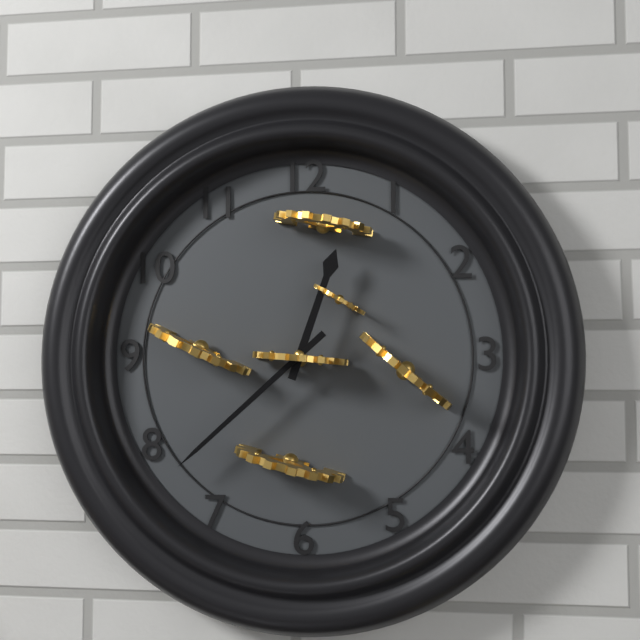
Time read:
12 h 38 min
